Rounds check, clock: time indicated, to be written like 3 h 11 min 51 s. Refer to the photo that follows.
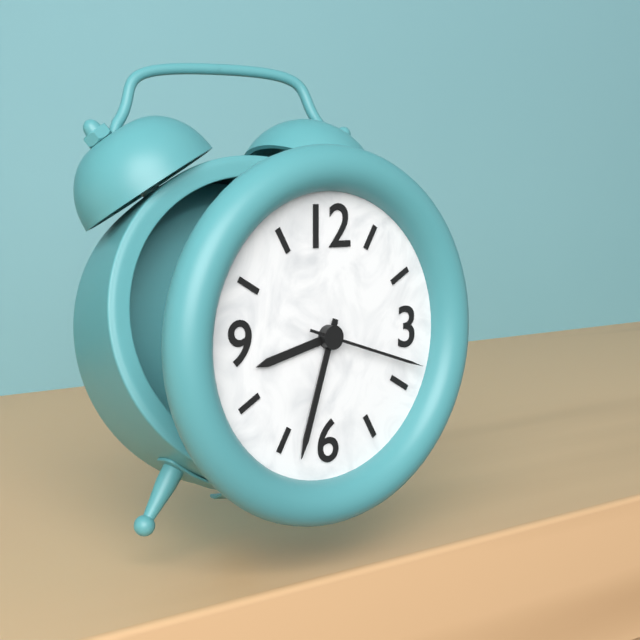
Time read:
8 h 33 min 18 s
